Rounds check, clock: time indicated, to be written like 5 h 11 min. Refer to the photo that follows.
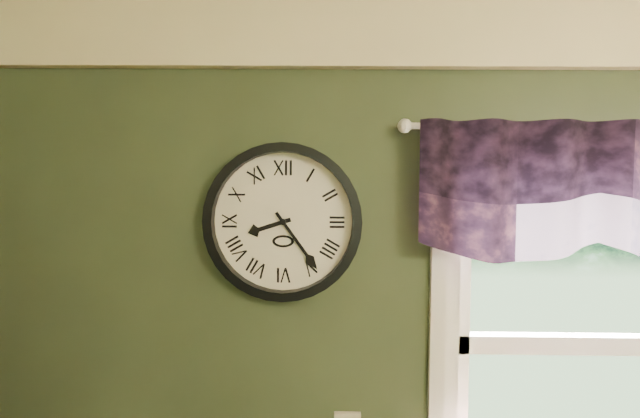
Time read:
8 h 24 min
